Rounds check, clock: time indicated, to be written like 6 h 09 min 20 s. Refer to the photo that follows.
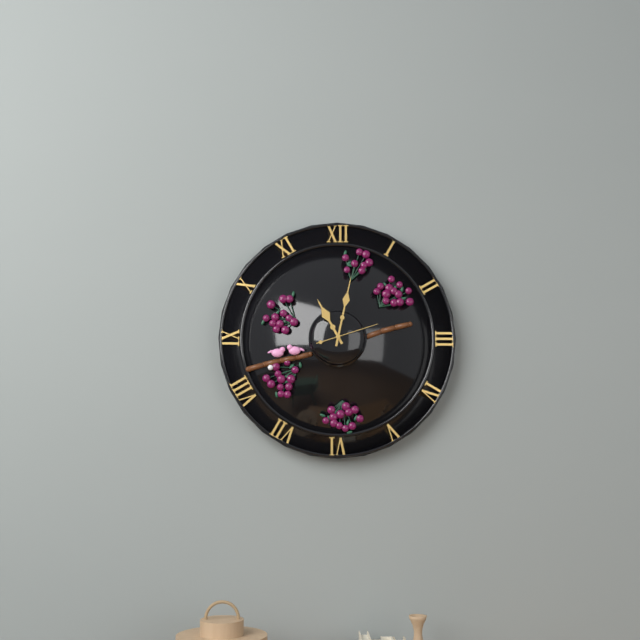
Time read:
11 h 02 min 12 s
